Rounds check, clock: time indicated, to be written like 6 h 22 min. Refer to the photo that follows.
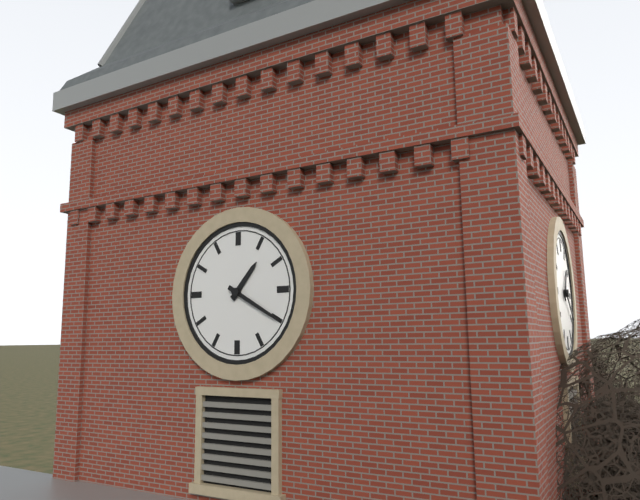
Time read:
1 h 20 min
